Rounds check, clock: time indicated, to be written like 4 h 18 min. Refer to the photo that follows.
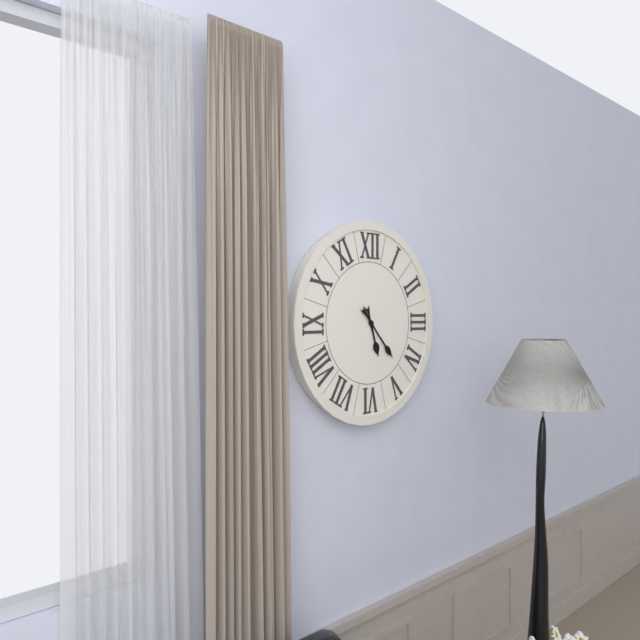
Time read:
5 h 23 min
